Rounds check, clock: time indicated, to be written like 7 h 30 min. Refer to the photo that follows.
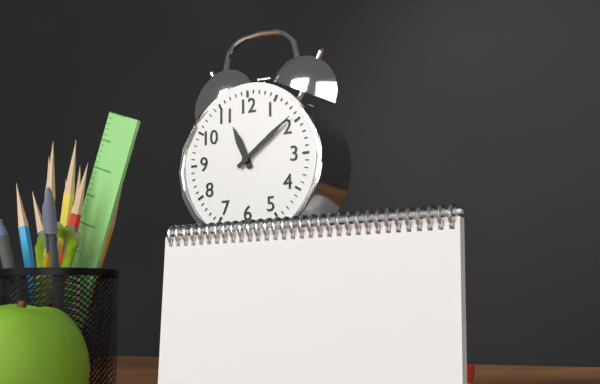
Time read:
11 h 09 min
